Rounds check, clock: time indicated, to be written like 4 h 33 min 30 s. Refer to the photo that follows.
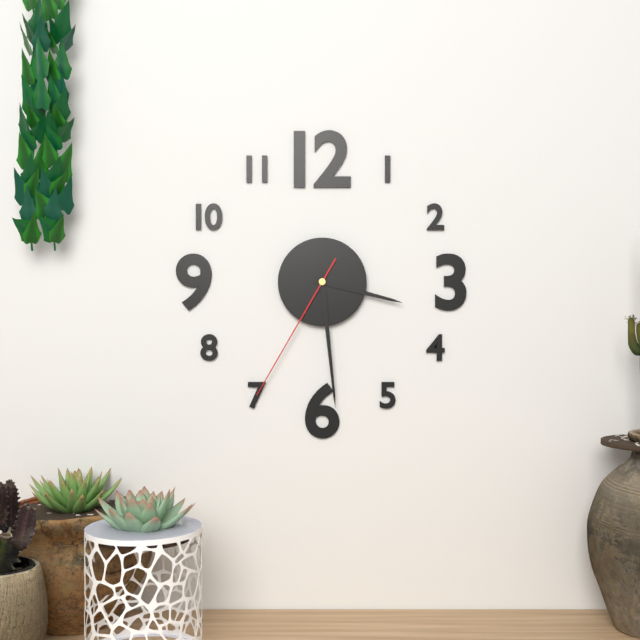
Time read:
3 h 29 min 35 s
